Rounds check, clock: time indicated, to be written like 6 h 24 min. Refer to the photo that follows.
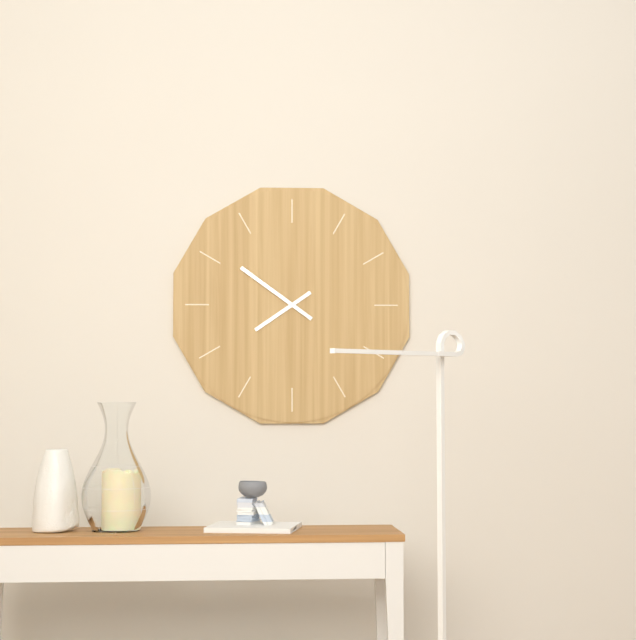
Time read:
7 h 51 min
